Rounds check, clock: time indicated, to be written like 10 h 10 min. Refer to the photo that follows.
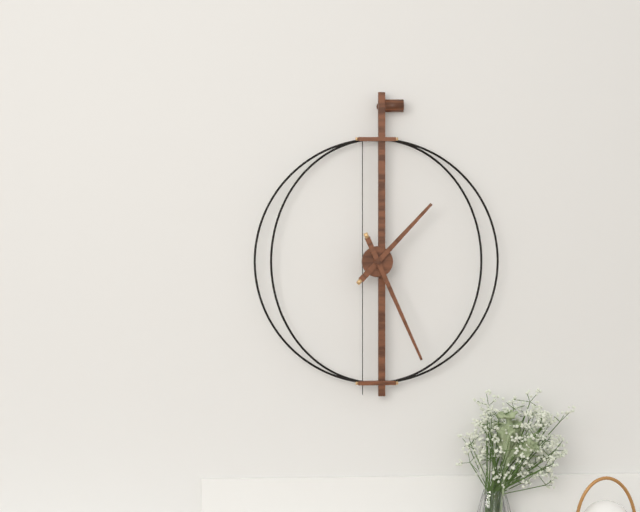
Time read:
1 h 26 min
